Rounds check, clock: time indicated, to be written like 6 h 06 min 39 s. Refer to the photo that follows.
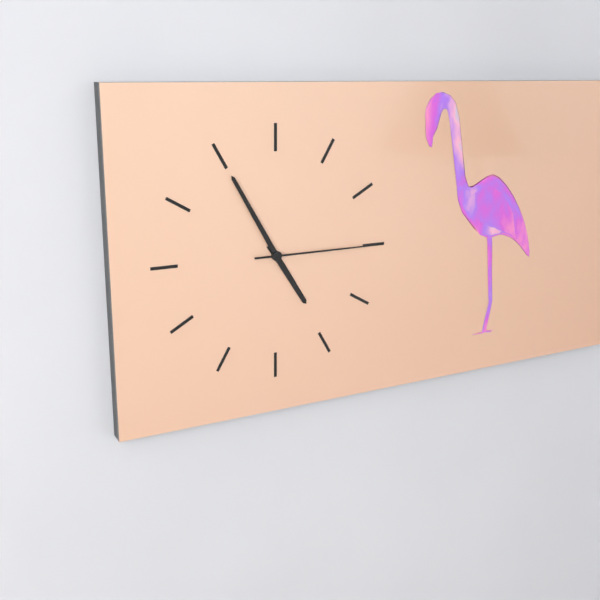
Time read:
4 h 55 min 15 s
